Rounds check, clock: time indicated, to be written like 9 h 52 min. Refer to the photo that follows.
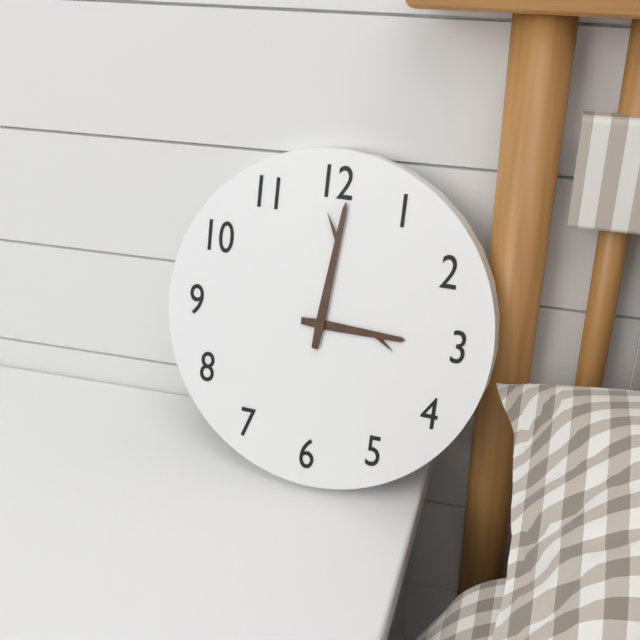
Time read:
3 h 01 min
